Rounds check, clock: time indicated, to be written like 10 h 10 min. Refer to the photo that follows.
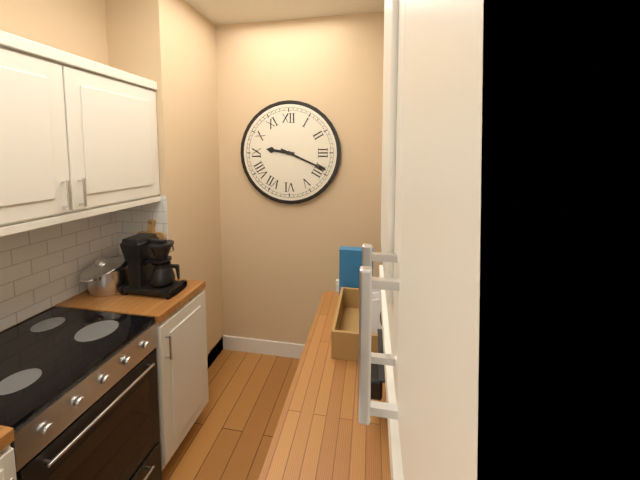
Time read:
9 h 19 min
